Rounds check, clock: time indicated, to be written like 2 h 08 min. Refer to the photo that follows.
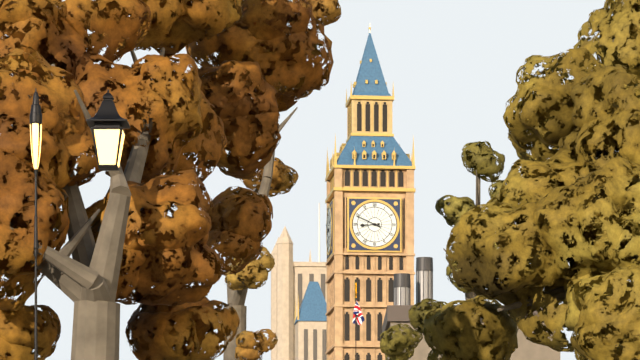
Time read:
8 h 49 min
